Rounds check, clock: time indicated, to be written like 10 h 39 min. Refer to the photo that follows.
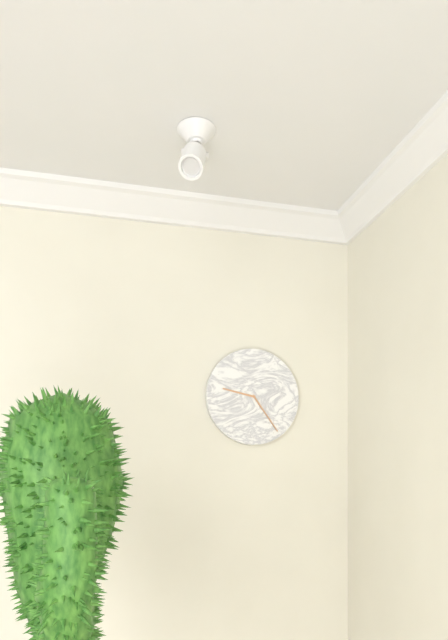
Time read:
9 h 24 min
